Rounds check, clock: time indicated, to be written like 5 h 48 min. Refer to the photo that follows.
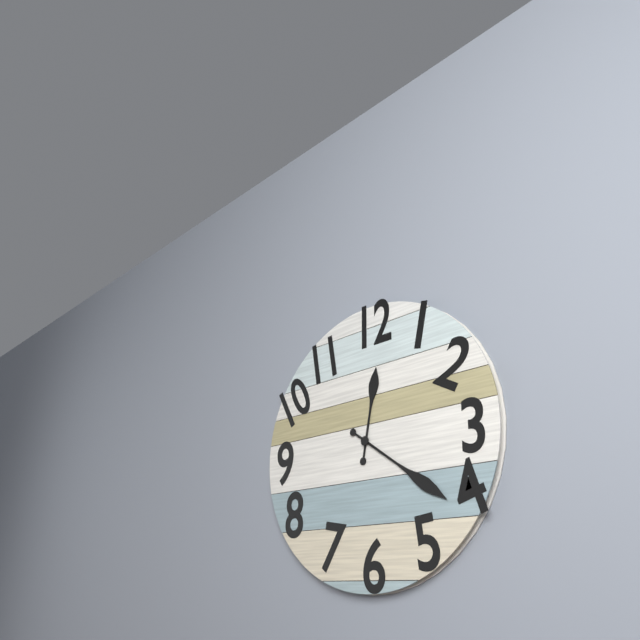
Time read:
12 h 21 min
